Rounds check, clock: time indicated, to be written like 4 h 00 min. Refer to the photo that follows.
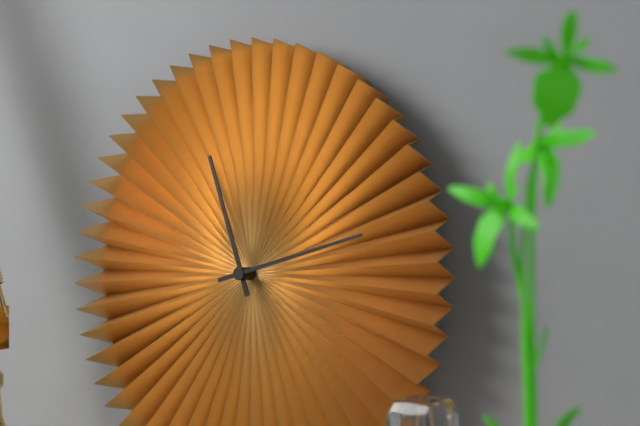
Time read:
11 h 12 min
